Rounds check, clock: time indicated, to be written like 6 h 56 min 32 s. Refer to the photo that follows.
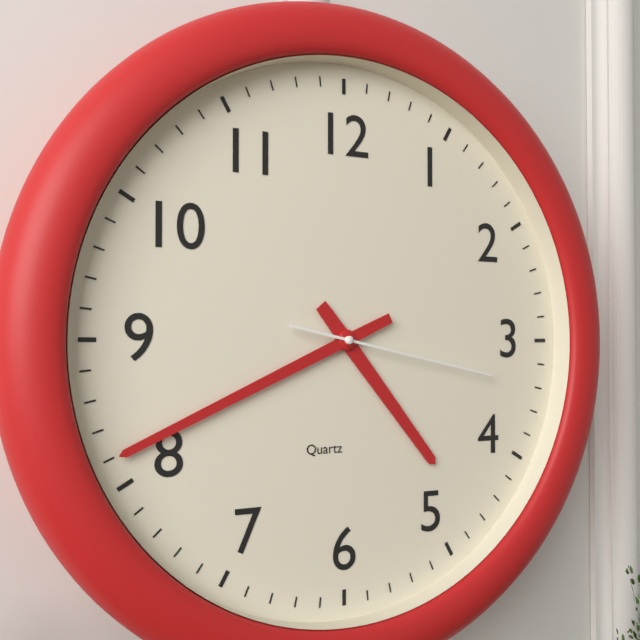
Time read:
4 h 41 min 17 s
